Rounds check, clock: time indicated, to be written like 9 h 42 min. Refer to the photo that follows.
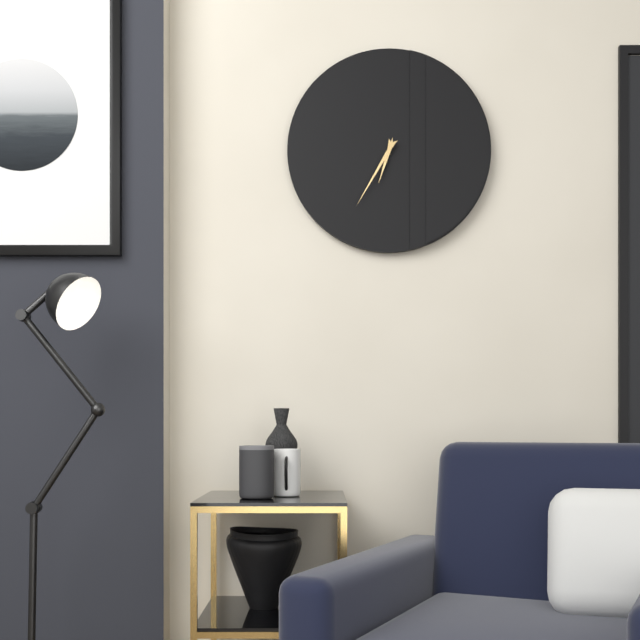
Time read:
6 h 35 min
